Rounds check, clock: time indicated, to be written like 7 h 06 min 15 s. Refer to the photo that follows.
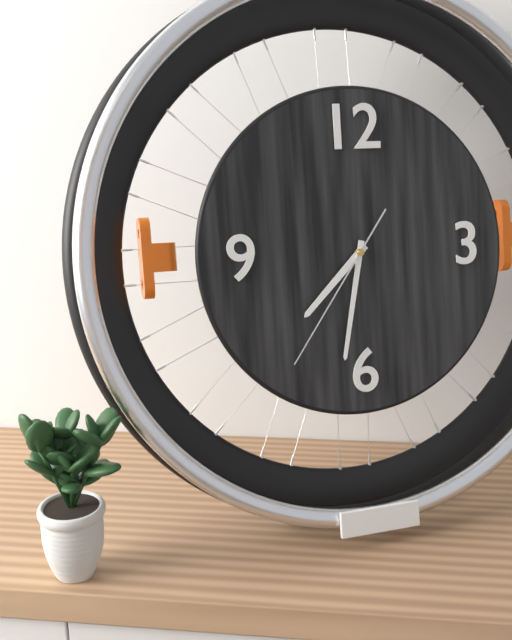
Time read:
7 h 32 min 36 s
